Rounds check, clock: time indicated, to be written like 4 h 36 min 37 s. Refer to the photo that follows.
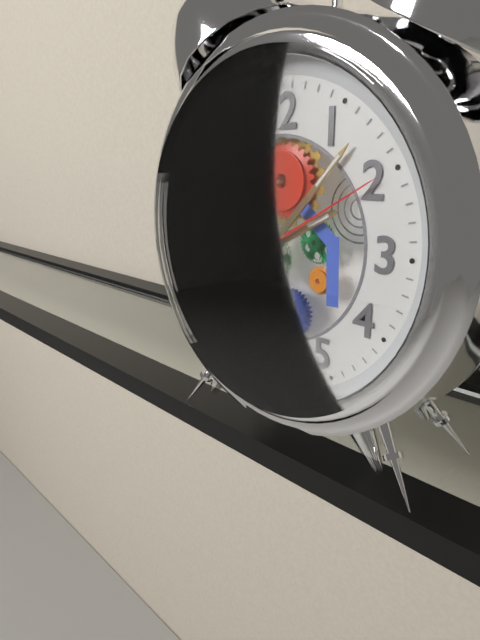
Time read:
2 h 07 min 10 s
